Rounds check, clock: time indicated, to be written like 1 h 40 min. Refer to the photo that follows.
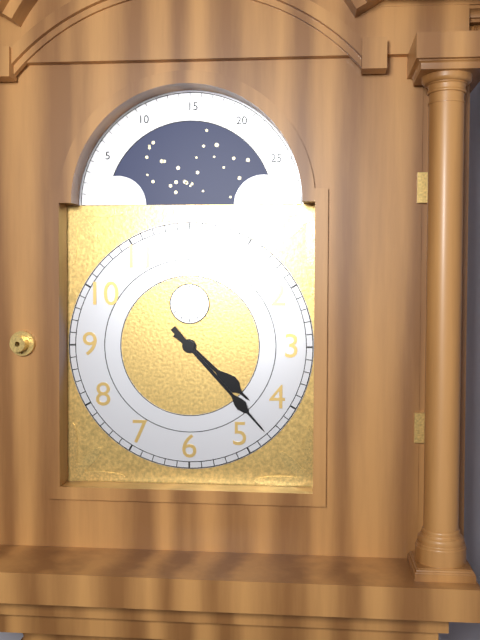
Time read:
4 h 23 min
